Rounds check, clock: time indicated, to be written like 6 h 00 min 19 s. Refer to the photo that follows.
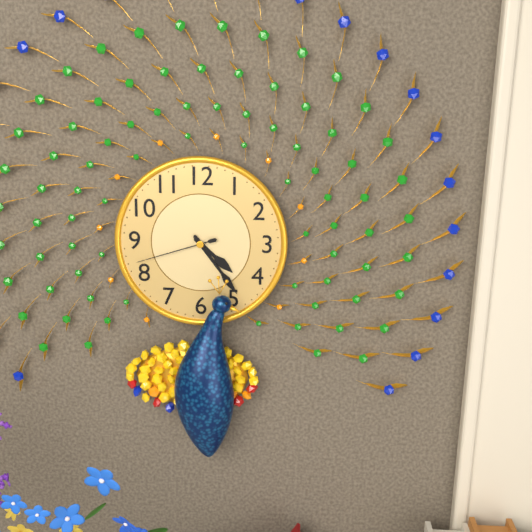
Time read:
4 h 24 min 42 s
